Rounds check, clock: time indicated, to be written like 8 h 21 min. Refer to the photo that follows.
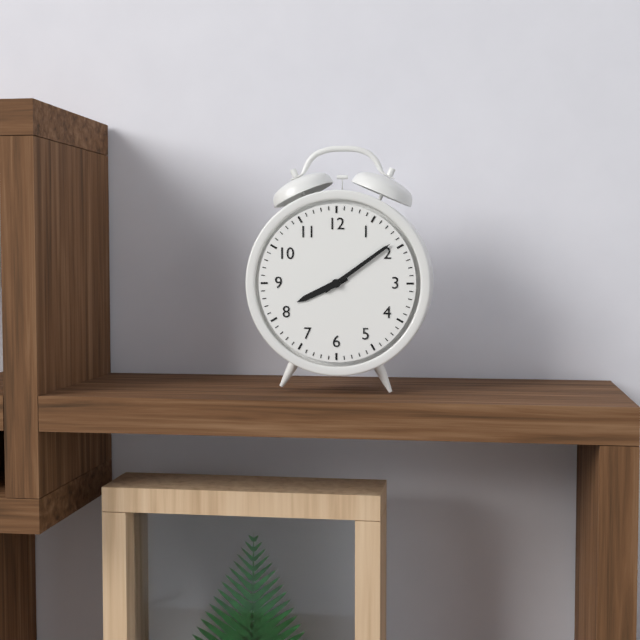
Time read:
8 h 09 min
